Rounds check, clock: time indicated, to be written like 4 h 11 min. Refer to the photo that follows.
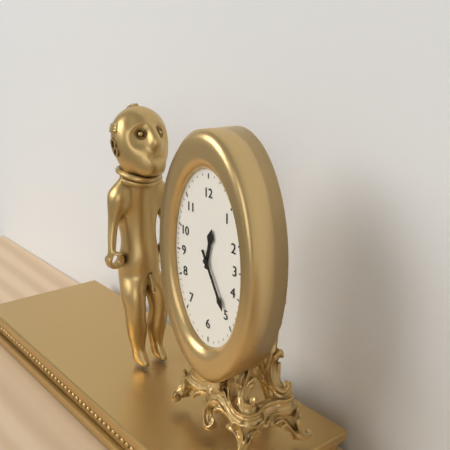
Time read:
12 h 25 min
